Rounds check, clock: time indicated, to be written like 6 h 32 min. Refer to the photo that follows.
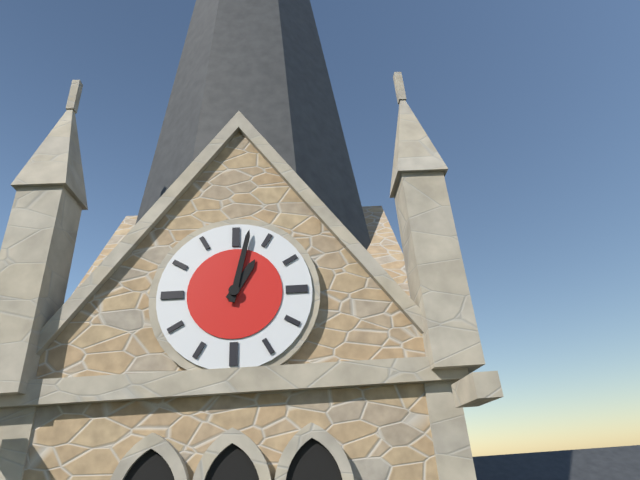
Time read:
1 h 02 min
